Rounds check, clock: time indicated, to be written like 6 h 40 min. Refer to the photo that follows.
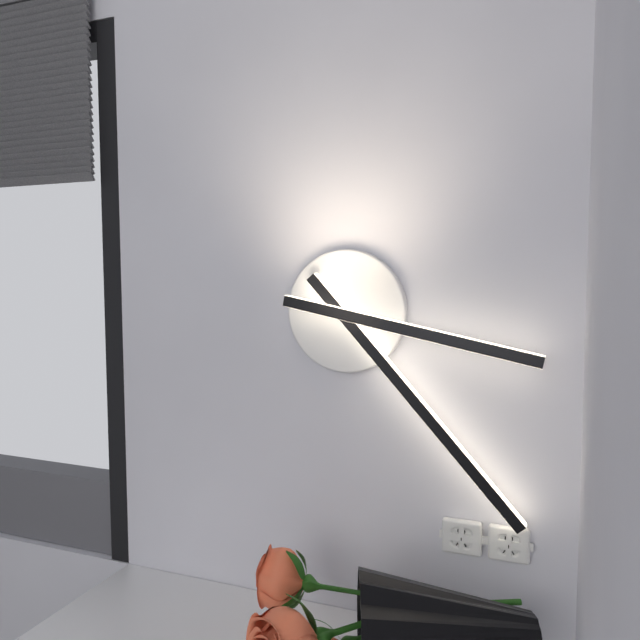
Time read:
3 h 23 min
